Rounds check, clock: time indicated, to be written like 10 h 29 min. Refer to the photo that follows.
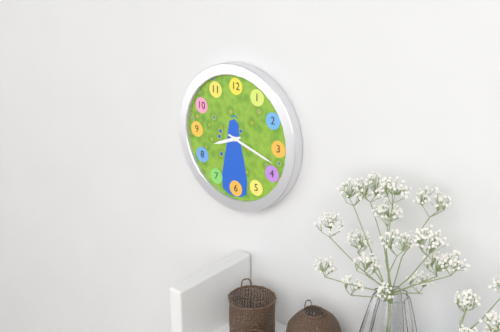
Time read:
8 h 18 min
